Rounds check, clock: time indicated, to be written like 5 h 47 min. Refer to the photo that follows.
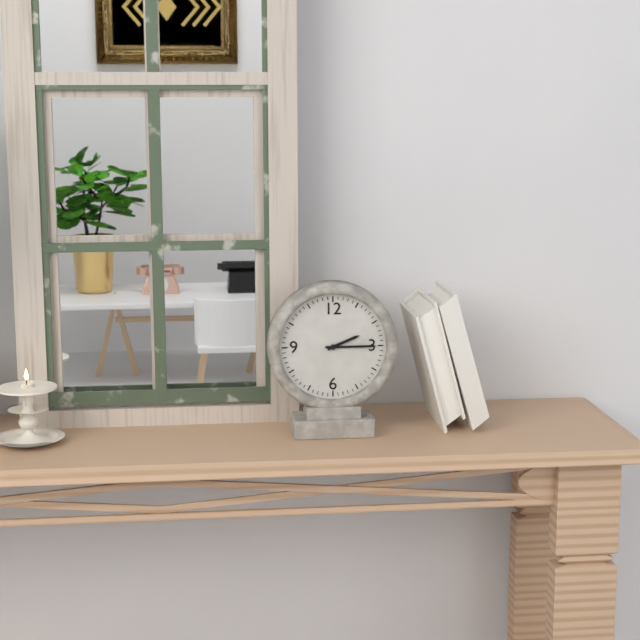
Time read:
2 h 15 min
